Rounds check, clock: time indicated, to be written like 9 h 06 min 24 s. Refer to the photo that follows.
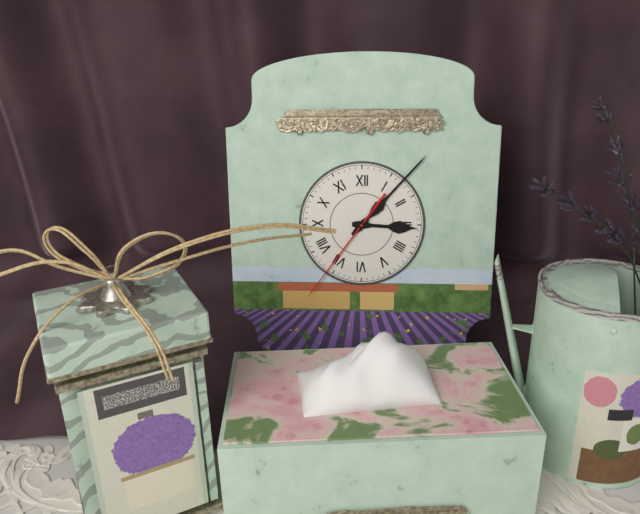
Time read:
3 h 07 min 36 s
